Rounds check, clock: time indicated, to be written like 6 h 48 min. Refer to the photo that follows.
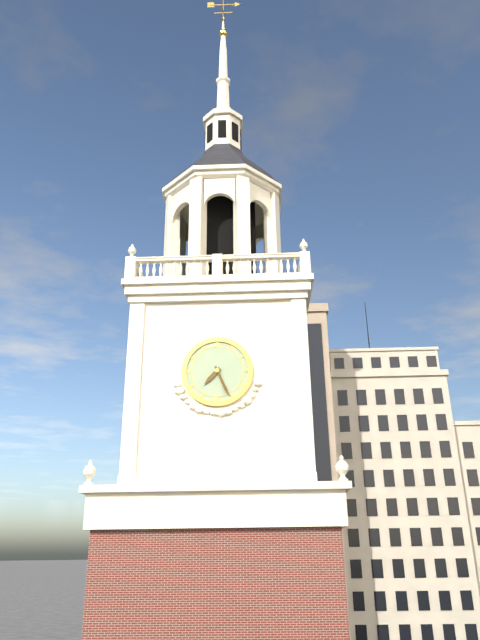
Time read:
7 h 26 min
